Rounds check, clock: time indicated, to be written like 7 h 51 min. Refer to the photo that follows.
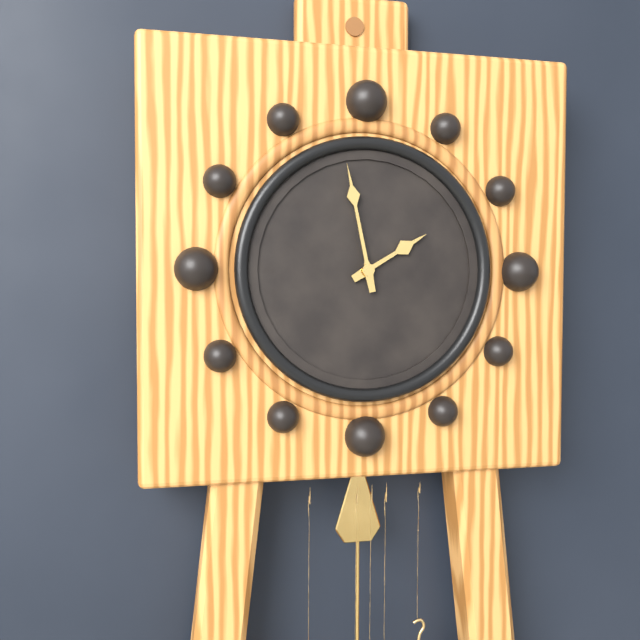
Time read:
1 h 58 min
